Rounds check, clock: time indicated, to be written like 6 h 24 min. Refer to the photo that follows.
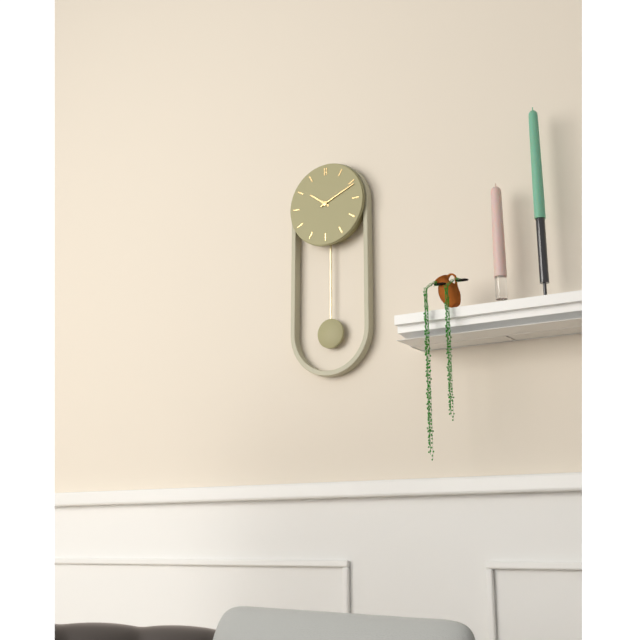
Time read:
10 h 11 min
